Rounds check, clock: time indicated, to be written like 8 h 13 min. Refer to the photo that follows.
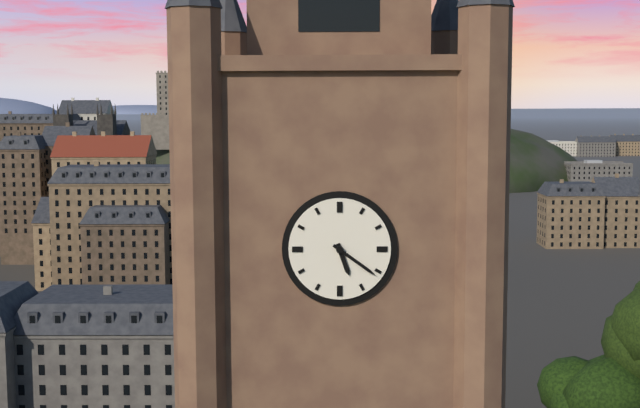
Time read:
5 h 21 min
